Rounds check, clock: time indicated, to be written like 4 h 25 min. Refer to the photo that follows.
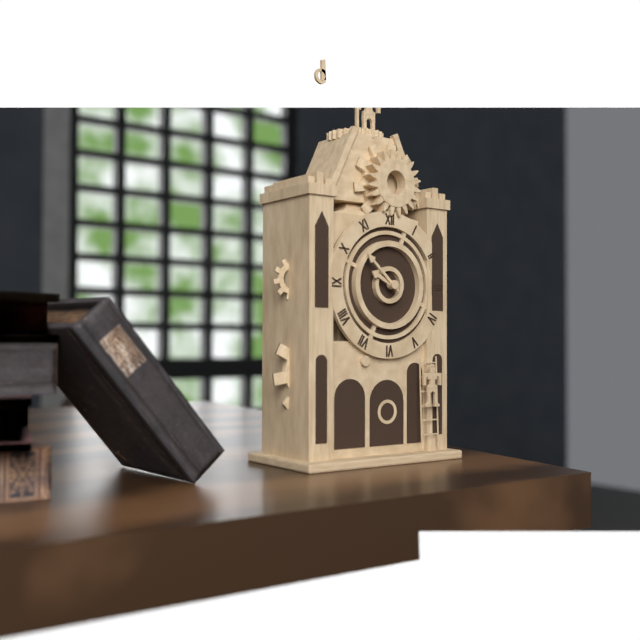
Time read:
9 h 52 min
